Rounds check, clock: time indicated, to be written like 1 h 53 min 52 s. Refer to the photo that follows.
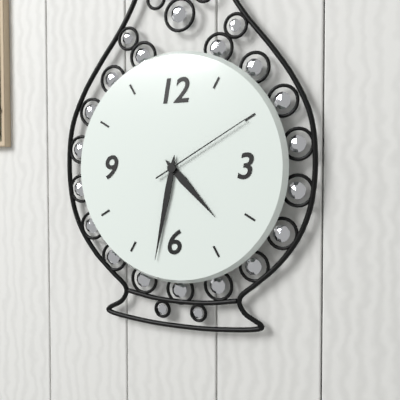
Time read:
4 h 32 min 10 s
